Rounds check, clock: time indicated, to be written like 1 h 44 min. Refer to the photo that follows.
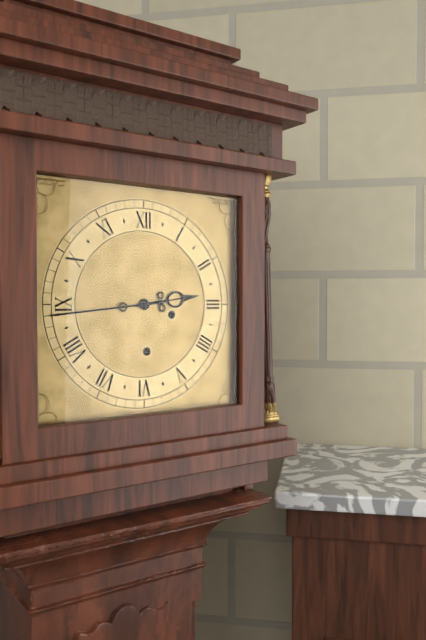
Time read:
2 h 44 min
